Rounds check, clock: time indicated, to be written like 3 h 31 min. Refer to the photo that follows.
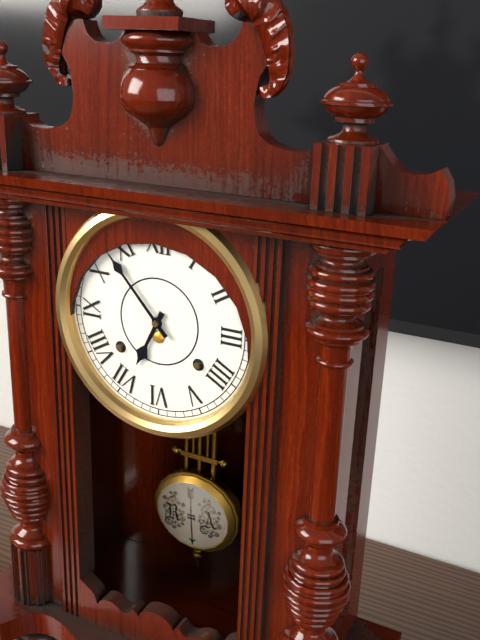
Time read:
6 h 53 min
